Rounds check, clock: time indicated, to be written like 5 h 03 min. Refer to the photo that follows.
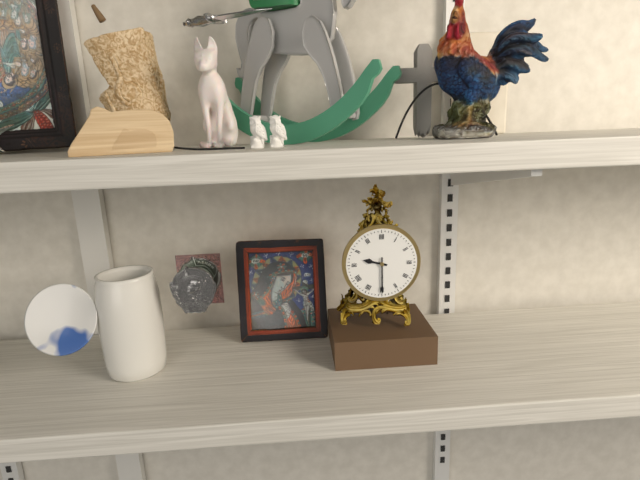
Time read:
9 h 30 min
